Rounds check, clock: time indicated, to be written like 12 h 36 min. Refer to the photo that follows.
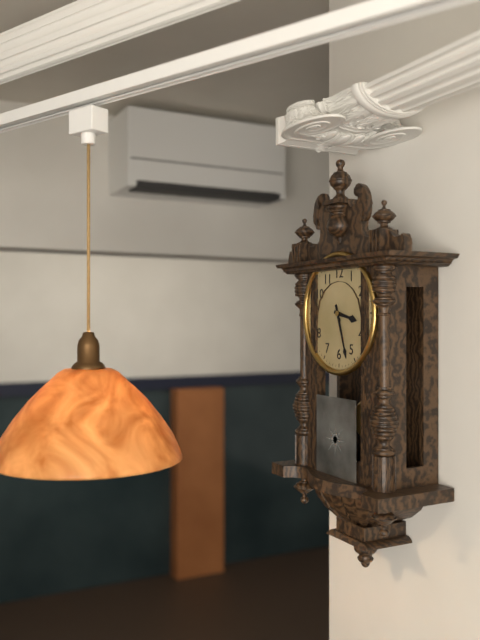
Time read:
3 h 27 min
